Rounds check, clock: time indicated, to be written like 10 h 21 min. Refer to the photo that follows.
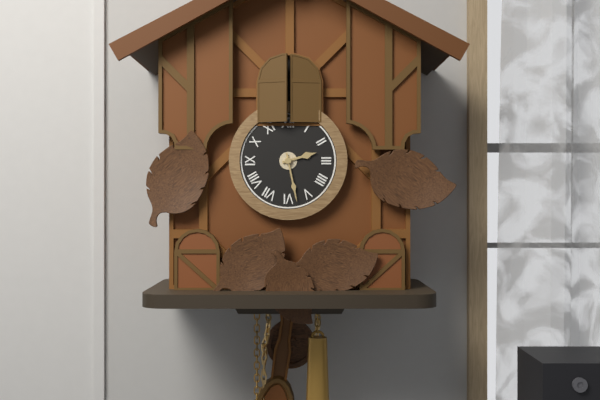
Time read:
2 h 28 min
